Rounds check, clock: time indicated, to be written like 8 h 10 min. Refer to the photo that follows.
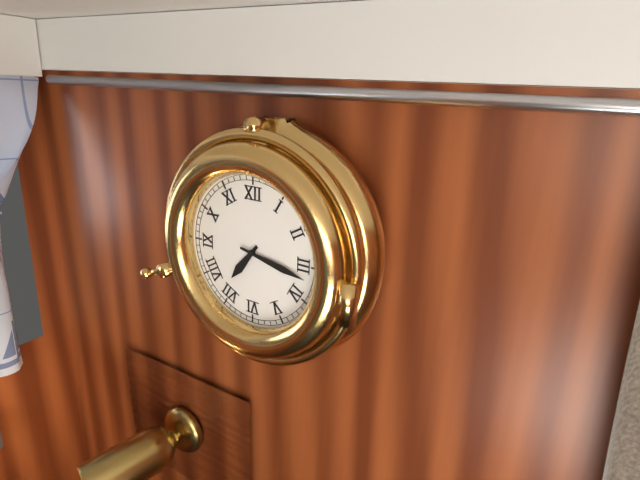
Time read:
7 h 17 min
